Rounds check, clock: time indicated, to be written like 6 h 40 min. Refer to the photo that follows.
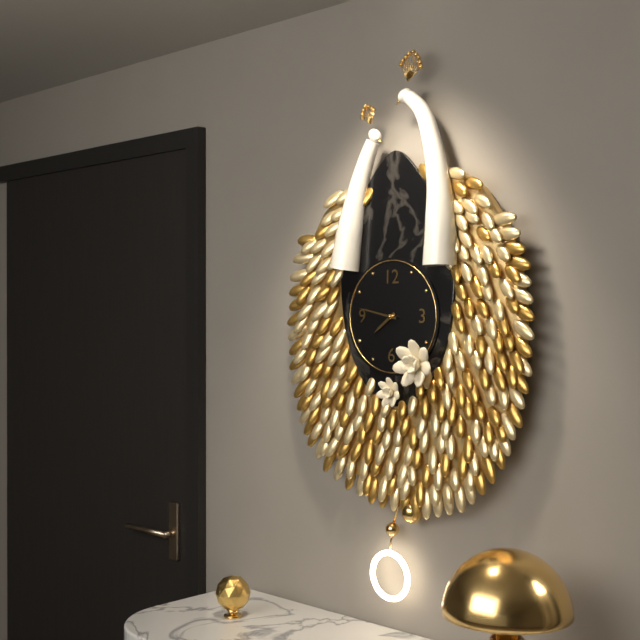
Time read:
7 h 47 min
